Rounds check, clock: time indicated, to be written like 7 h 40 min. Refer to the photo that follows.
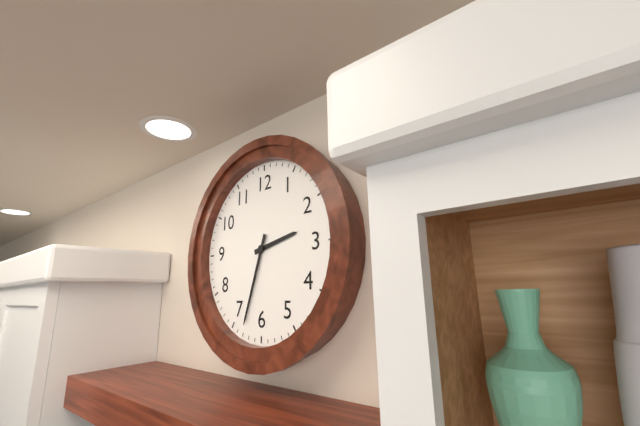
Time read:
2 h 33 min
